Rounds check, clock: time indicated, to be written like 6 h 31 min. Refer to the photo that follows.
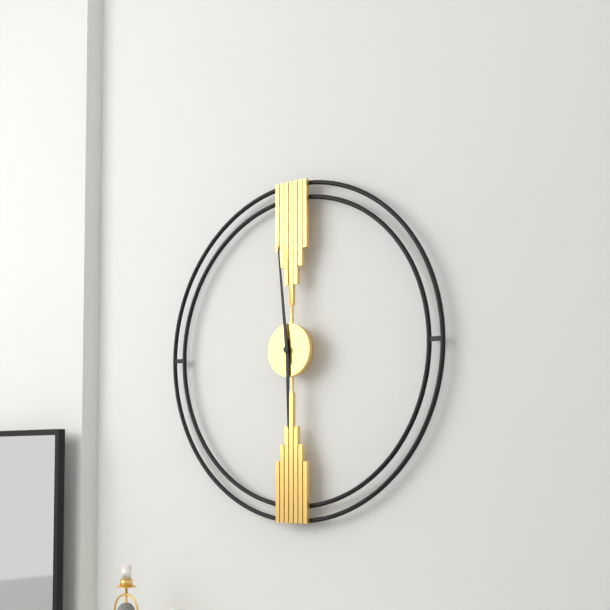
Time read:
5 h 59 min
